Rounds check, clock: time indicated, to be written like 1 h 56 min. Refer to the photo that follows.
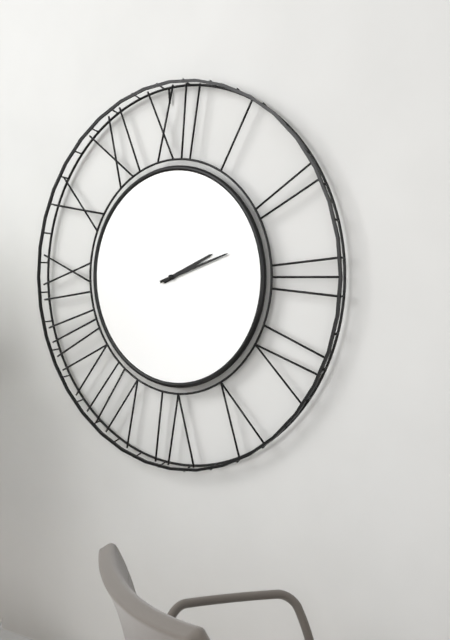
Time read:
2 h 12 min
